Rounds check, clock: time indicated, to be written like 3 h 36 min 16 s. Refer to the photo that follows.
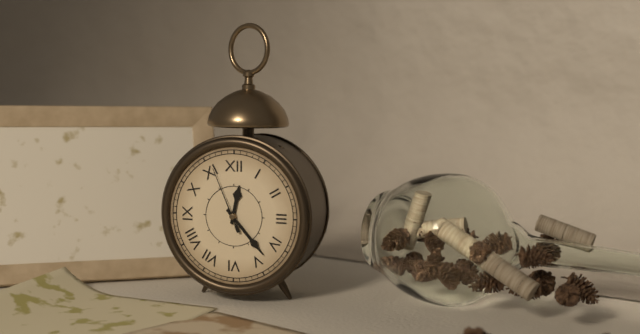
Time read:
12 h 23 min 56 s
